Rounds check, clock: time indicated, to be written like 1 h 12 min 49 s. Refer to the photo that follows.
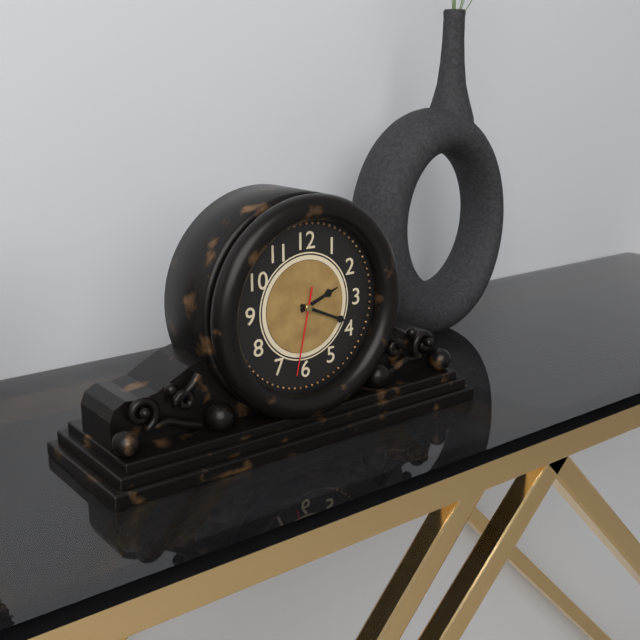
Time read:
2 h 19 min 32 s
